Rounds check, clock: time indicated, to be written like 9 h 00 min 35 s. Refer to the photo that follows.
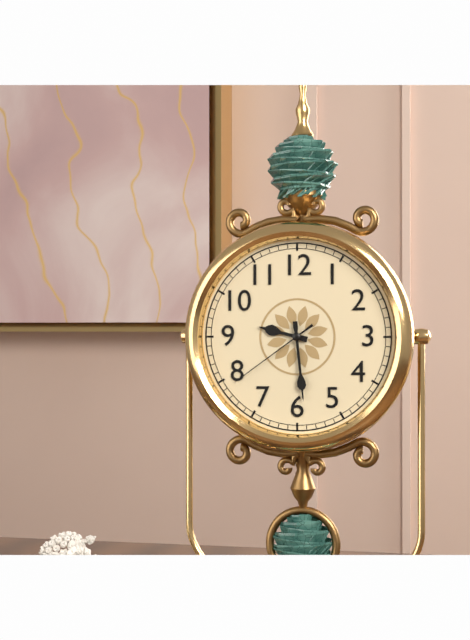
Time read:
9 h 29 min 39 s
